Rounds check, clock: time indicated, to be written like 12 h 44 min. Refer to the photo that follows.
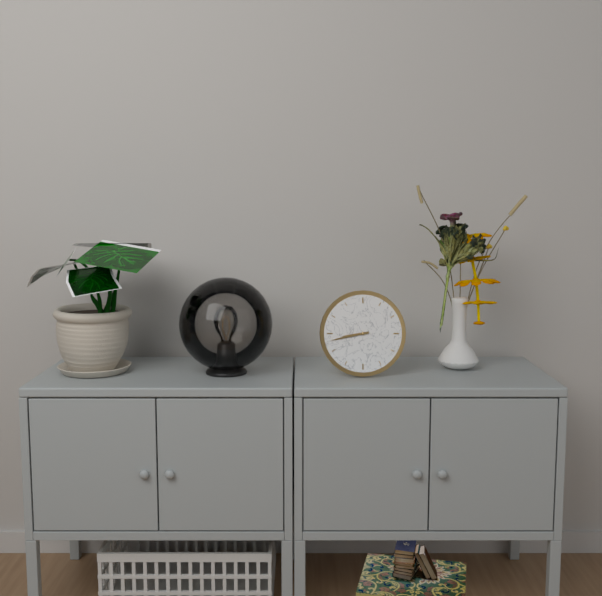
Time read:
8 h 43 min
